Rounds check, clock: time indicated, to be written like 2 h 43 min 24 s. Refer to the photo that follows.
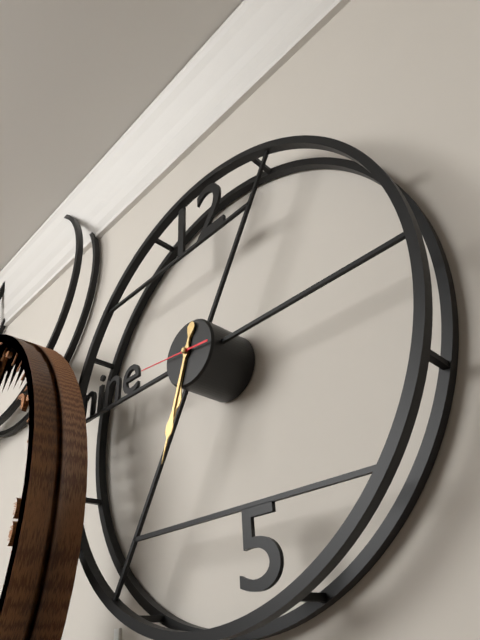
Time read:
6 h 33 min 46 s
